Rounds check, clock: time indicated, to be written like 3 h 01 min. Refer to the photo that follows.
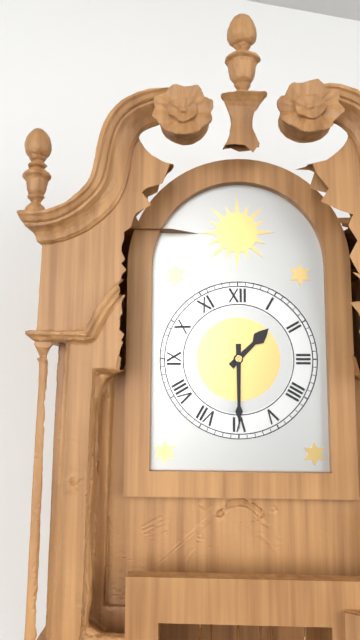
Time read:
1 h 30 min
